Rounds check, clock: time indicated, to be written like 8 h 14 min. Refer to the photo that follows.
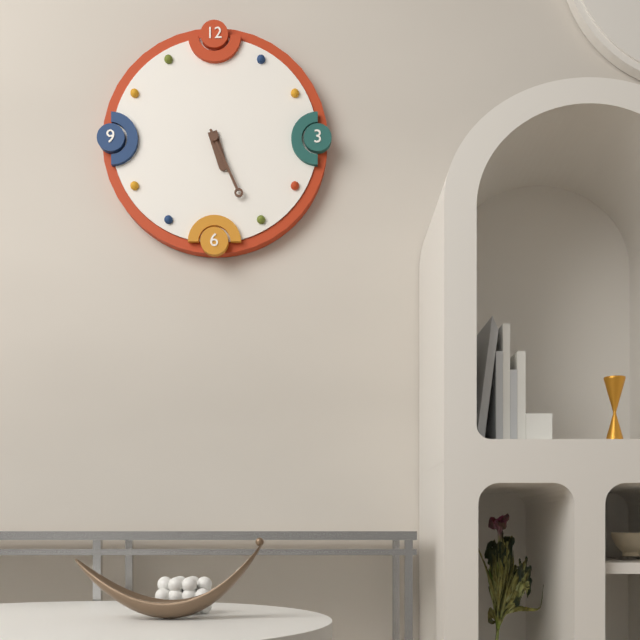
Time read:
5 h 26 min
